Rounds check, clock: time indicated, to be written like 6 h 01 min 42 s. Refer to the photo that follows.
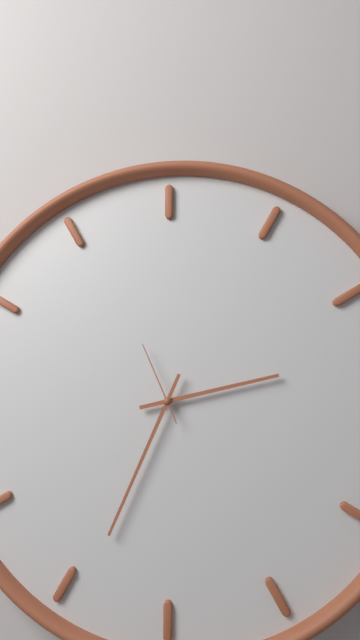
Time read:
2 h 34 min 56 s
